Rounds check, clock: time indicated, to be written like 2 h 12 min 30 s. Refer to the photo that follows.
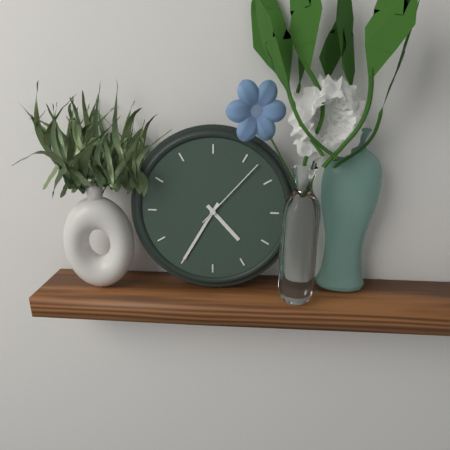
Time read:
4 h 35 min 07 s
